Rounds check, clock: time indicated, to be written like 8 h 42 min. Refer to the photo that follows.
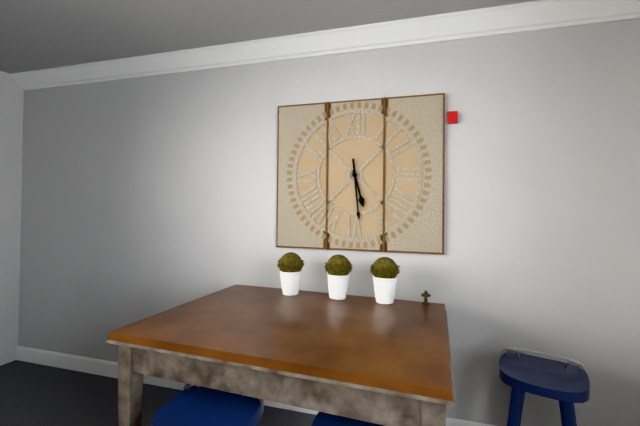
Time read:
5 h 29 min
